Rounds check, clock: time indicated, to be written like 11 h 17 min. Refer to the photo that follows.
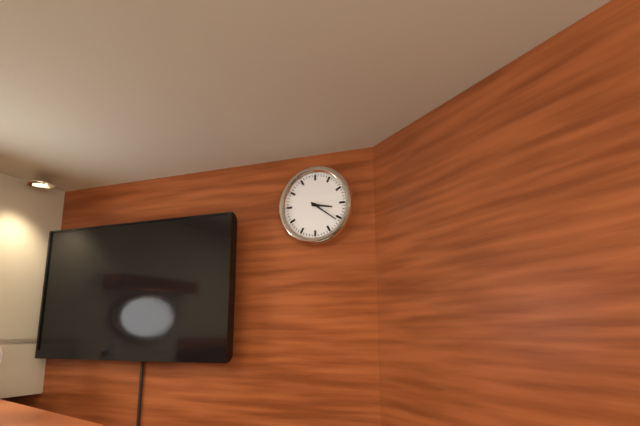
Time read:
3 h 21 min
